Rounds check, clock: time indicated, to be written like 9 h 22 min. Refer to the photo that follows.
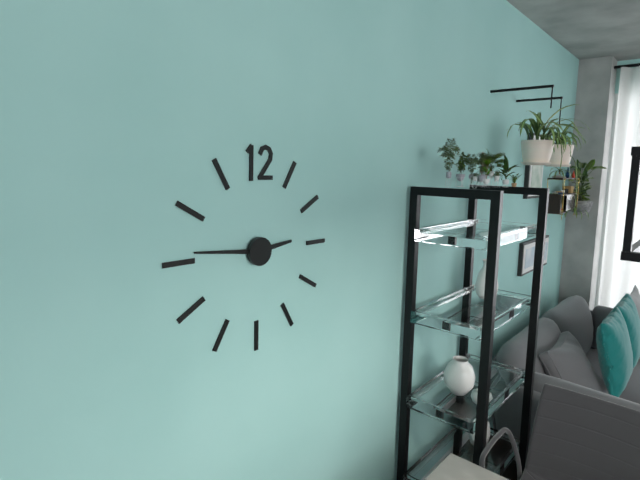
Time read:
2 h 46 min
